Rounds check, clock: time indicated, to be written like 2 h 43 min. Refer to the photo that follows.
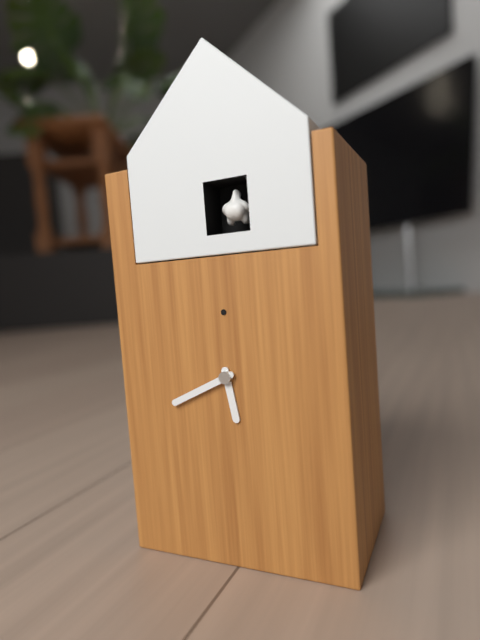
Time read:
5 h 41 min
